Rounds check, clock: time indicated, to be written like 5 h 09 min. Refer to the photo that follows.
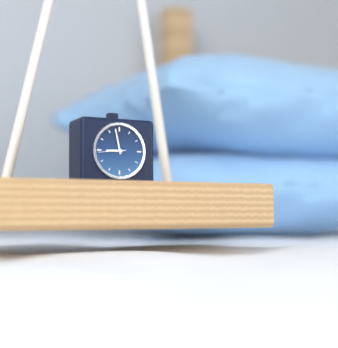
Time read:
8 h 58 min
